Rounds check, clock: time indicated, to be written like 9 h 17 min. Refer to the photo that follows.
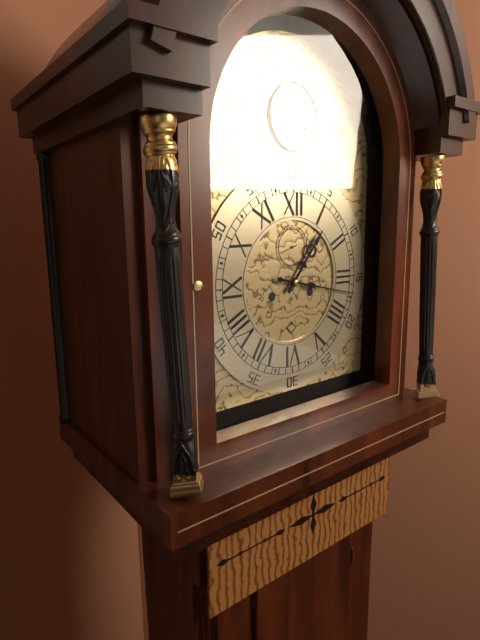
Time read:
1 h 17 min
